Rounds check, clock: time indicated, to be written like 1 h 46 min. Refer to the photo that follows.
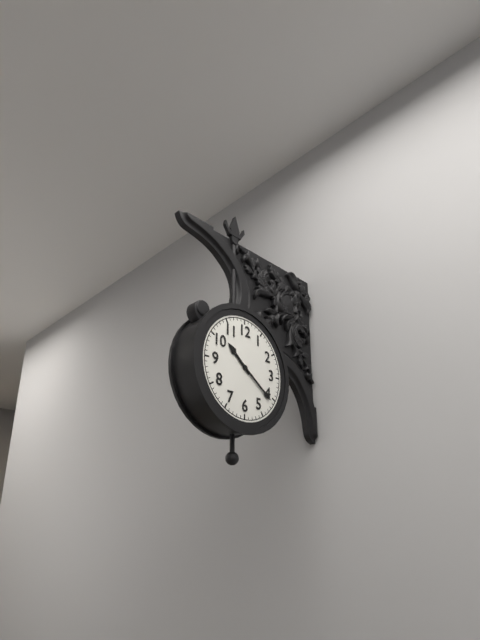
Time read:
10 h 21 min
